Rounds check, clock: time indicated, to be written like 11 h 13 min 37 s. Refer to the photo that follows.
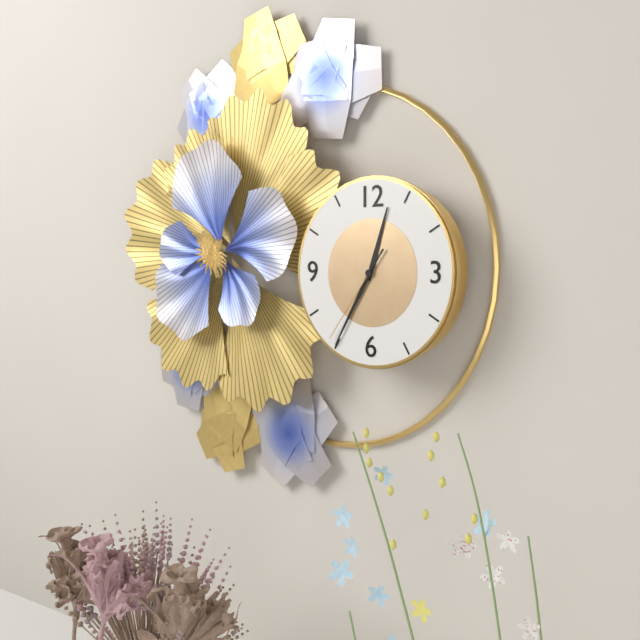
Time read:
12 h 35 min 36 s
